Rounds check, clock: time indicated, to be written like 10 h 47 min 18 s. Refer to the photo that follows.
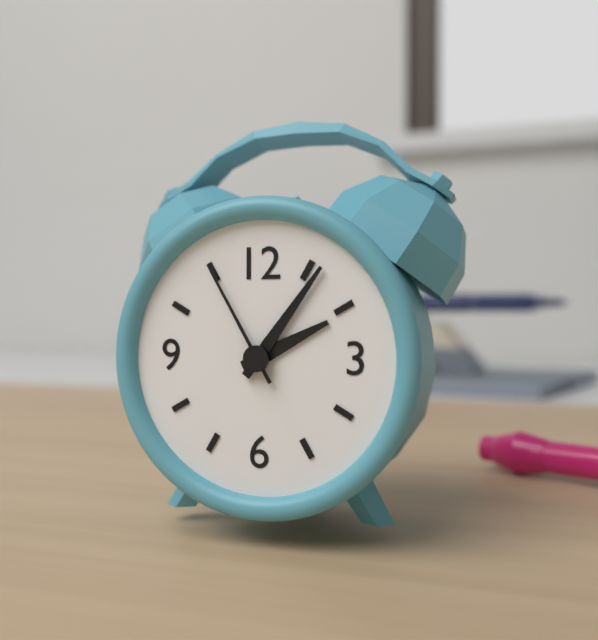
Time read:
2 h 06 min 55 s
